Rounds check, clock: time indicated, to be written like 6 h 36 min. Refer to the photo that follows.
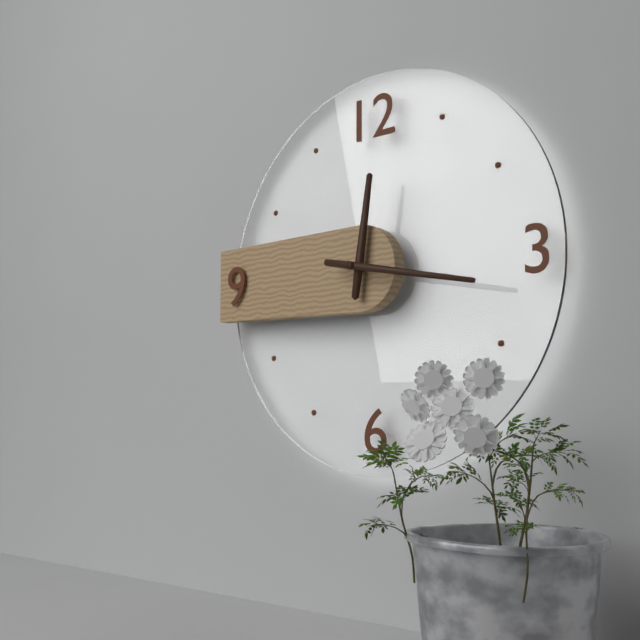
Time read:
12 h 17 min
